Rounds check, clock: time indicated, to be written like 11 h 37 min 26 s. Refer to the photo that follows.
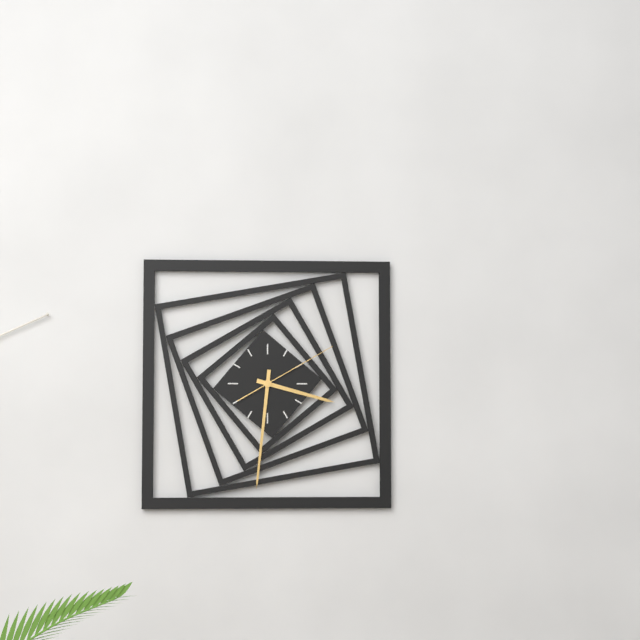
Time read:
3 h 31 min 10 s
